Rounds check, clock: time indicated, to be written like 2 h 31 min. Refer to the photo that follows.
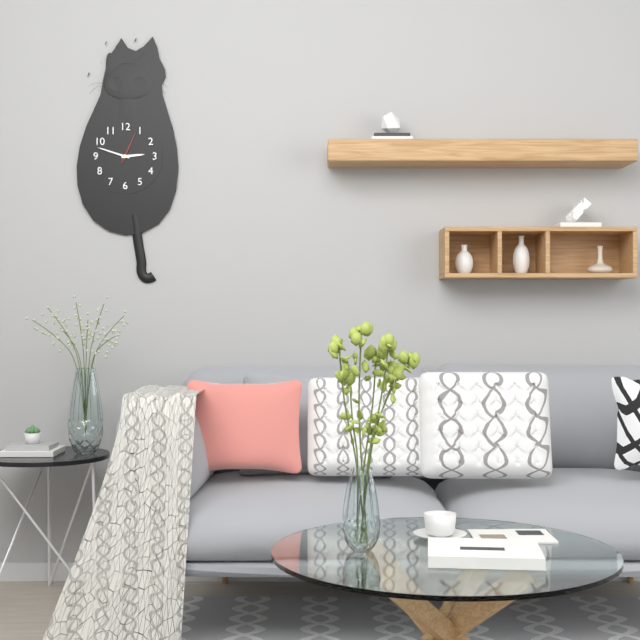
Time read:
2 h 48 min
